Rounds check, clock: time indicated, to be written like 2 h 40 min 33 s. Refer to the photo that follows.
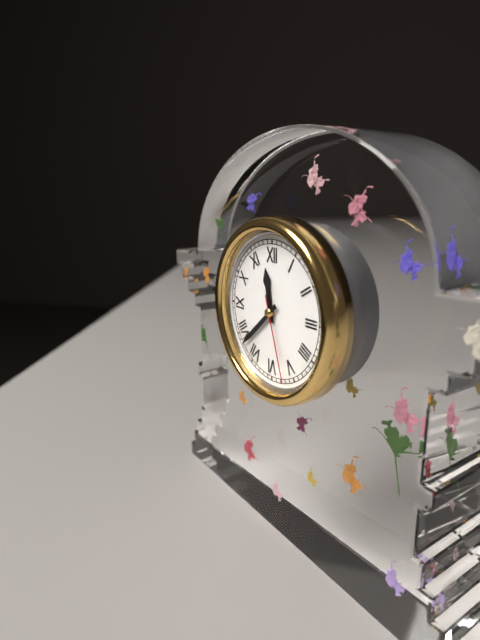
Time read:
11 h 38 min 27 s
